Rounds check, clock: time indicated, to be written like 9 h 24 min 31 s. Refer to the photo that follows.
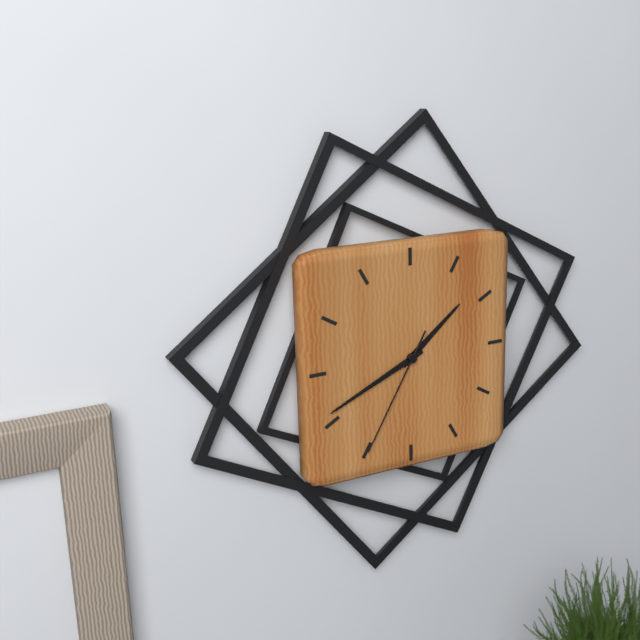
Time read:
1 h 41 min 35 s
